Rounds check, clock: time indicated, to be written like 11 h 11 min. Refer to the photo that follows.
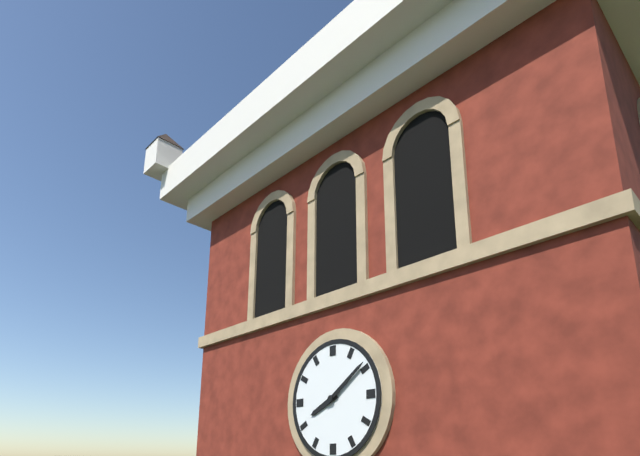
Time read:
8 h 09 min
